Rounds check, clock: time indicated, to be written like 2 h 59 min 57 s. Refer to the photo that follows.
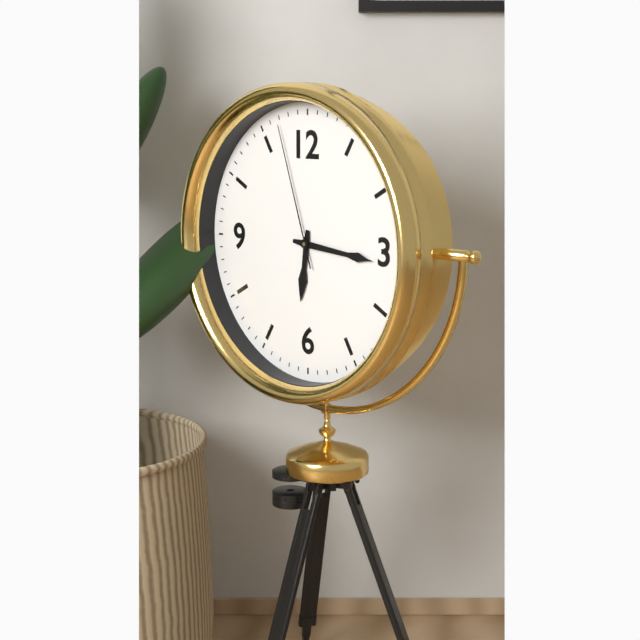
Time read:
6 h 16 min 57 s
